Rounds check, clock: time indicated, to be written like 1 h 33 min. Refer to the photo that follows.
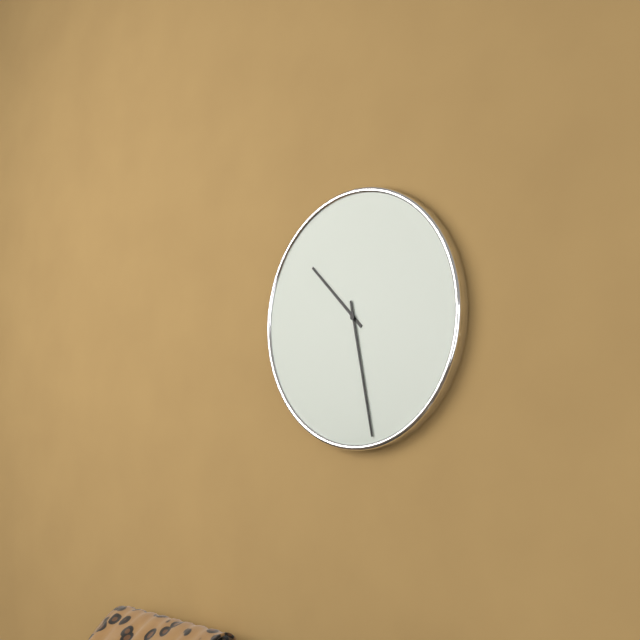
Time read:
10 h 28 min
